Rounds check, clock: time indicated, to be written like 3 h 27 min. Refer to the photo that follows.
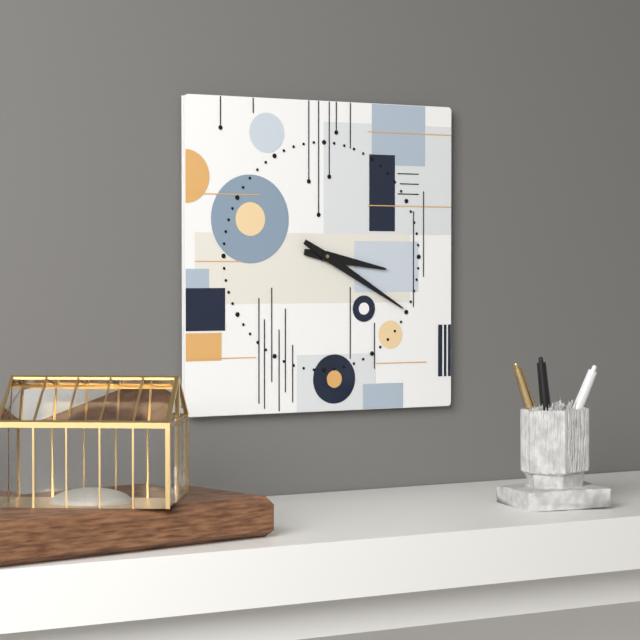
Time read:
3 h 20 min
